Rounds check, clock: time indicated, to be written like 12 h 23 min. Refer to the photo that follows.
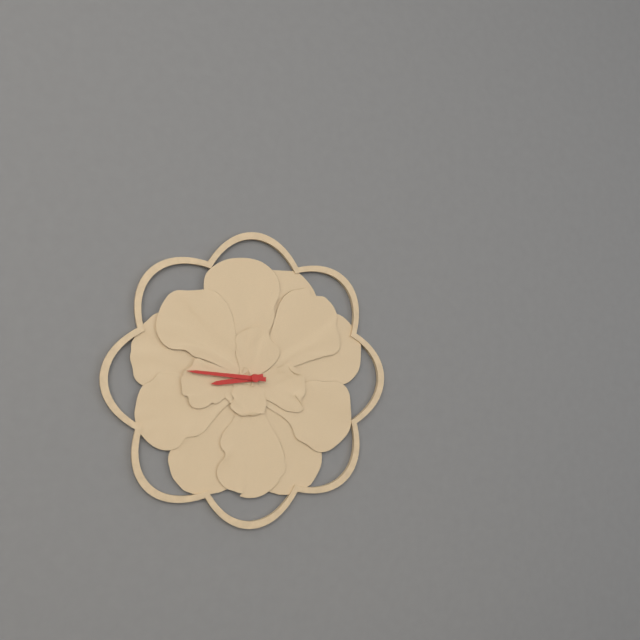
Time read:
8 h 46 min
